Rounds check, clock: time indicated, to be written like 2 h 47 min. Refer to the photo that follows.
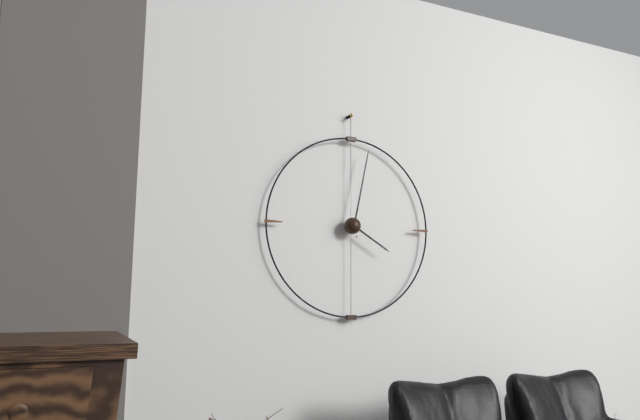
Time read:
4 h 02 min
